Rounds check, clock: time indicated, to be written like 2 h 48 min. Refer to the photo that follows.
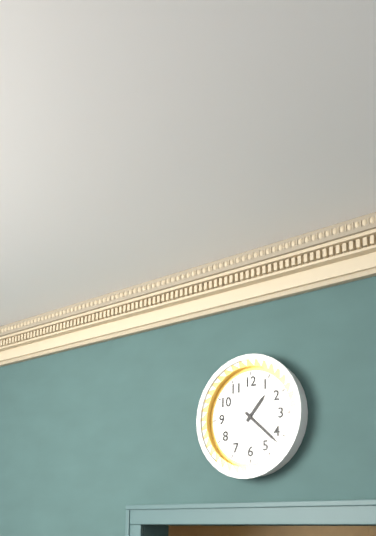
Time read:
1 h 22 min
